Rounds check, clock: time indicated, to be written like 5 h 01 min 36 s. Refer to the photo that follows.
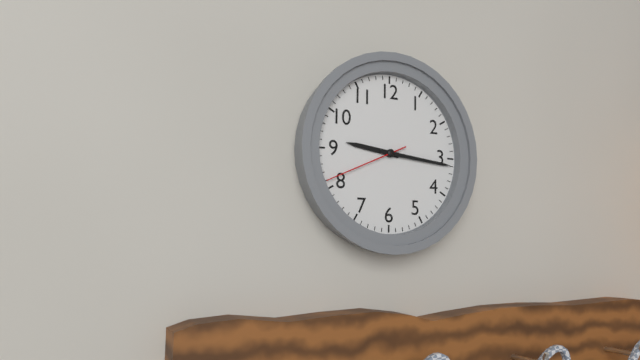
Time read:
9 h 16 min 41 s
